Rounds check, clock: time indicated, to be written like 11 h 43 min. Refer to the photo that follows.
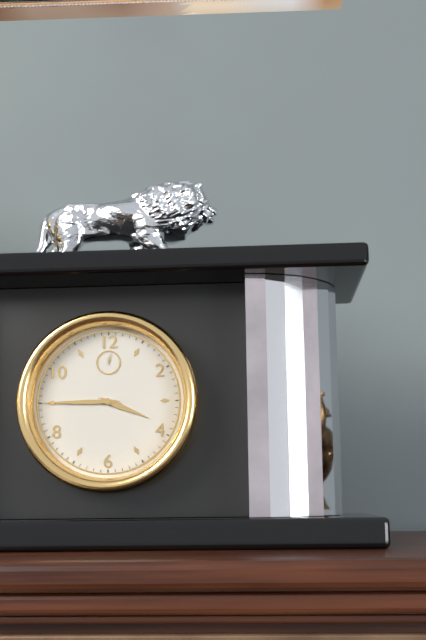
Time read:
3 h 45 min
